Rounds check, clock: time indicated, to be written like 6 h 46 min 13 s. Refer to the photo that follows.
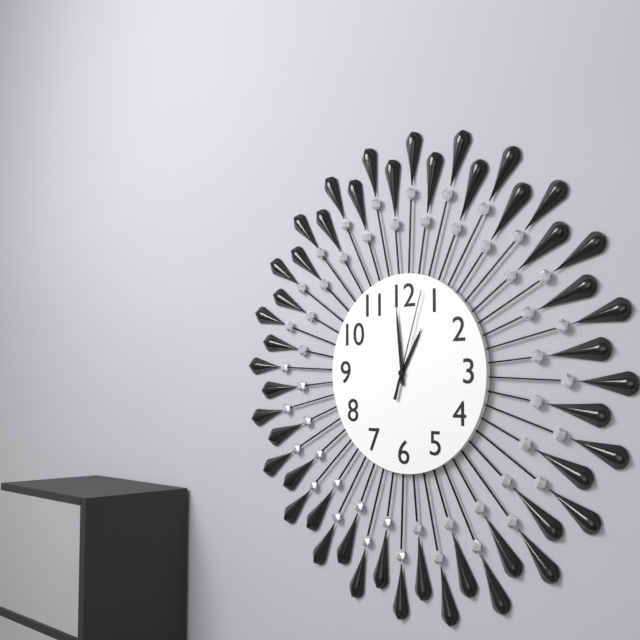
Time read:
12 h 59 min 03 s
